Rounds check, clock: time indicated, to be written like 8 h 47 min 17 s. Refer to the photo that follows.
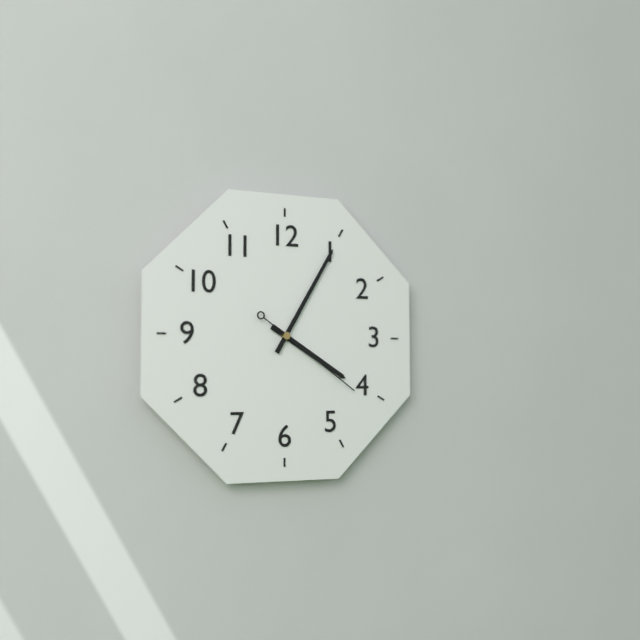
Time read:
4 h 05 min 21 s
